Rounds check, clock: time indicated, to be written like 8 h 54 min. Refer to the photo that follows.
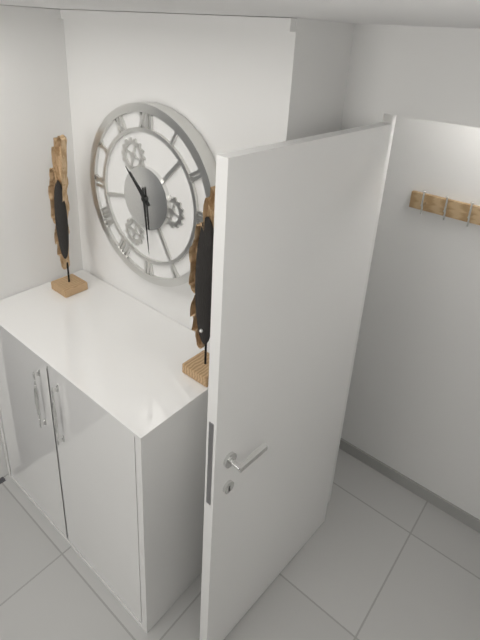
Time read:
10 h 29 min
